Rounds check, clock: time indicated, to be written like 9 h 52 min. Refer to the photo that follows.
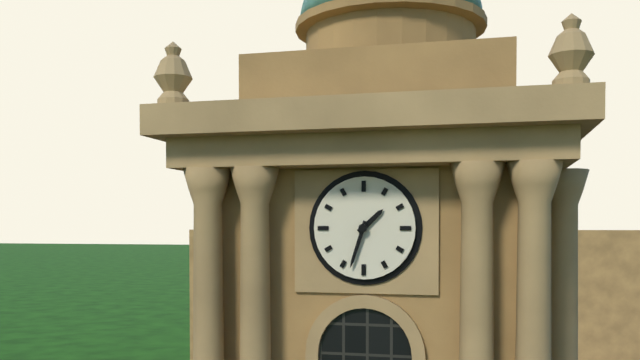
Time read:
1 h 33 min
